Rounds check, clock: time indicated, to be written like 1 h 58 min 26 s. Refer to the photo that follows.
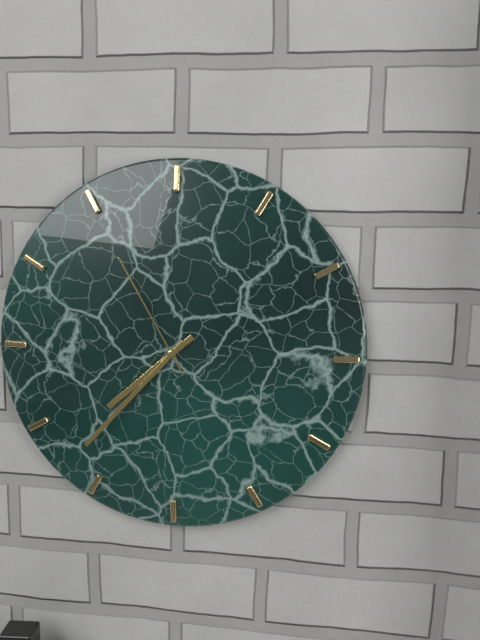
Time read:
7 h 37 min 55 s
